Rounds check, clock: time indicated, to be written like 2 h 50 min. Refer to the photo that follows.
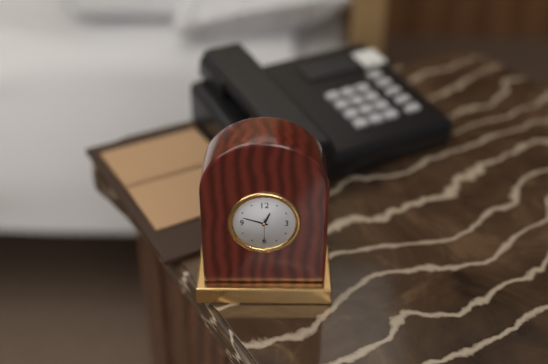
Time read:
12 h 48 min
